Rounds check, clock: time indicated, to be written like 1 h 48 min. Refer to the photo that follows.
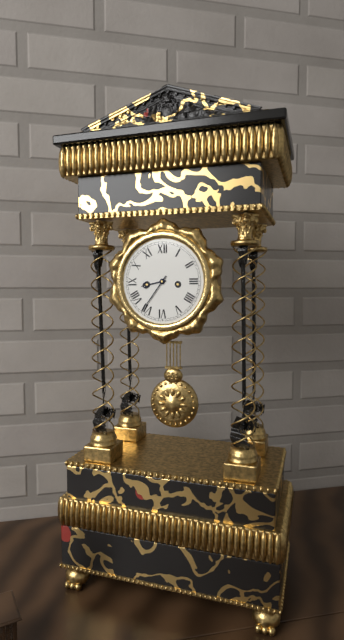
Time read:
8 h 36 min
